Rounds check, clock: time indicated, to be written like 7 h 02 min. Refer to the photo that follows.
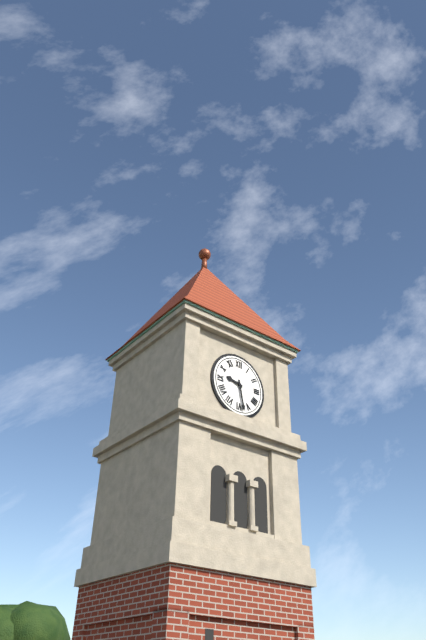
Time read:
9 h 28 min
